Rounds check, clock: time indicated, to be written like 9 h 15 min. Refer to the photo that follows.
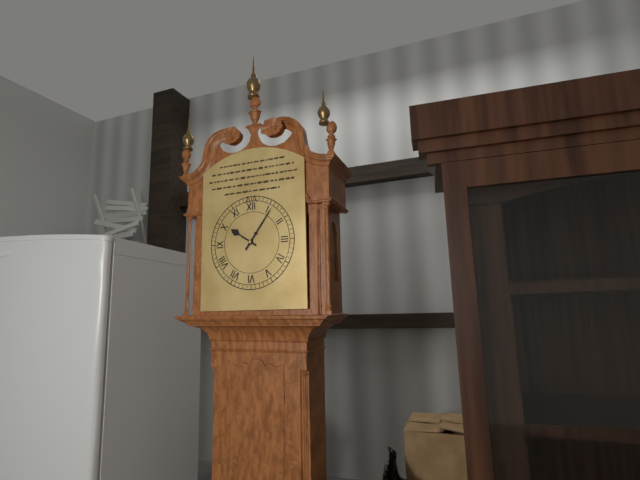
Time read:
10 h 06 min
